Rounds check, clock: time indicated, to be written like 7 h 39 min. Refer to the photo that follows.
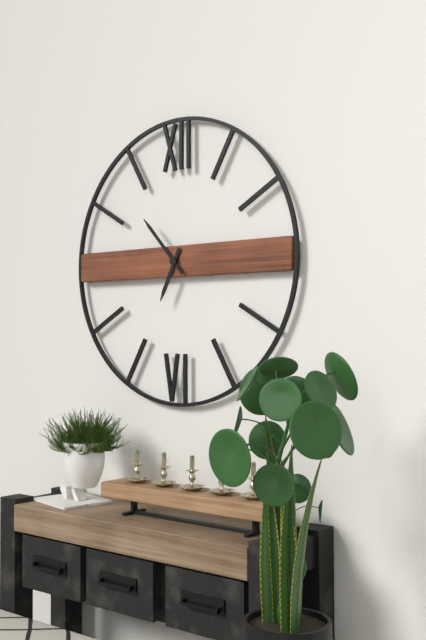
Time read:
6 h 53 min
